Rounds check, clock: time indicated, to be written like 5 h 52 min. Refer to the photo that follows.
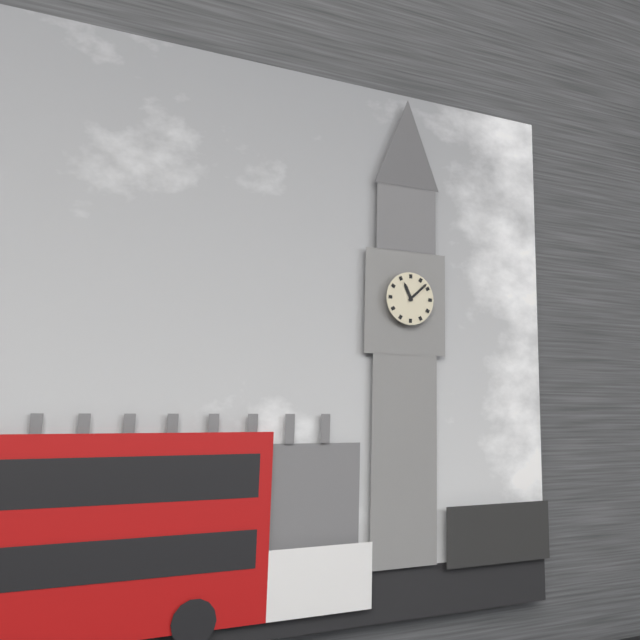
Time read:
11 h 08 min
